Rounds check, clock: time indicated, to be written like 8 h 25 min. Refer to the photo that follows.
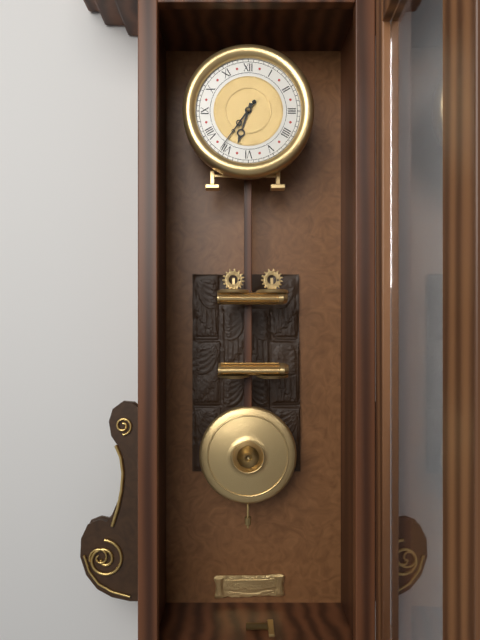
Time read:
6 h 36 min
